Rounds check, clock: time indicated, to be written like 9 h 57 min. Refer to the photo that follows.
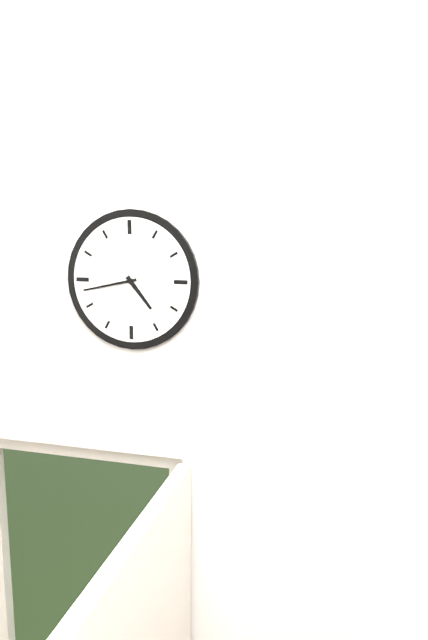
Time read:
4 h 43 min
